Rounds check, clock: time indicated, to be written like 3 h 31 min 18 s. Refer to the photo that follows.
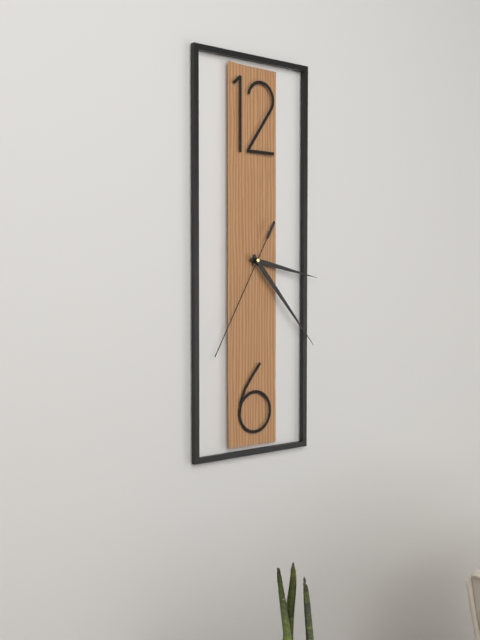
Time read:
3 h 23 min 35 s
